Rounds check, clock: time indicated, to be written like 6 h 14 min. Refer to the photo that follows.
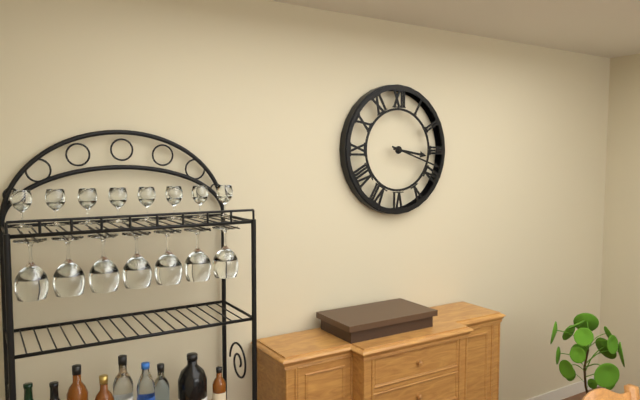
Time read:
3 h 18 min
